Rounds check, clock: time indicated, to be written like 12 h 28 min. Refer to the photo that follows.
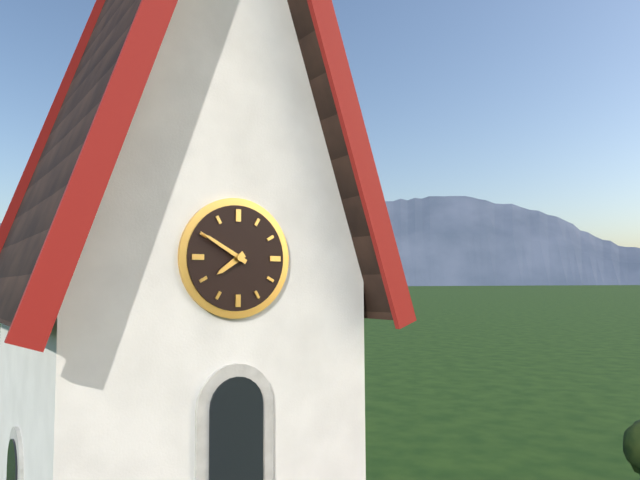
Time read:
7 h 50 min
